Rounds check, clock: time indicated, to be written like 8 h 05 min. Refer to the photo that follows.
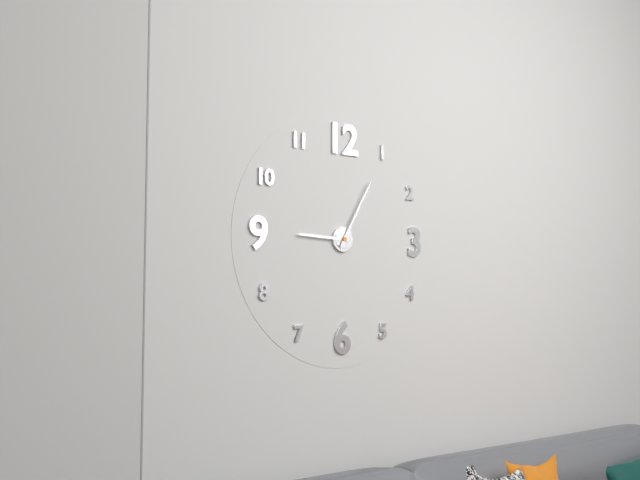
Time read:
9 h 05 min
